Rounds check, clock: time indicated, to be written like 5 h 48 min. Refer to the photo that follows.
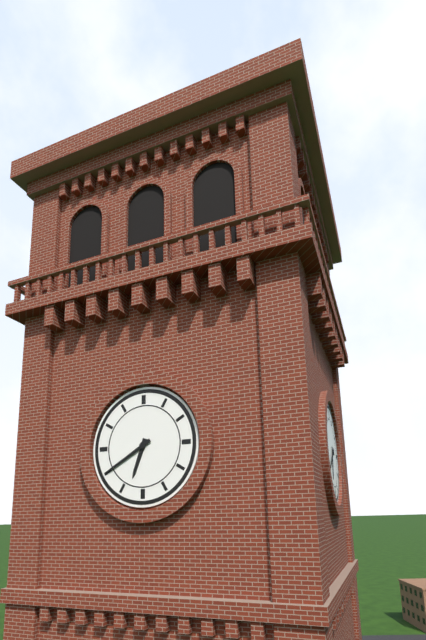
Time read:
6 h 40 min
